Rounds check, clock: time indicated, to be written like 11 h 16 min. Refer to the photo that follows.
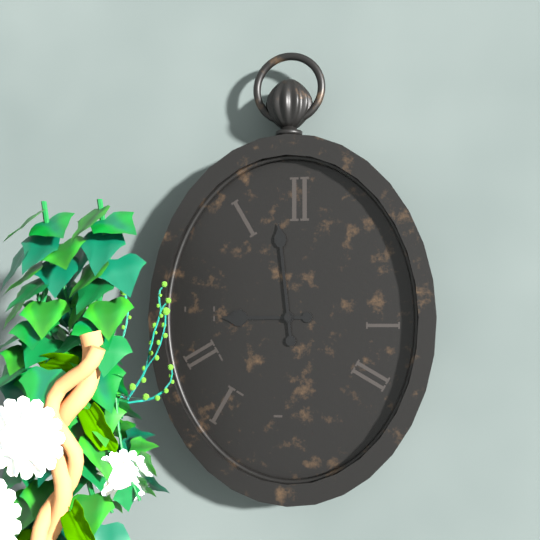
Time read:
8 h 59 min
